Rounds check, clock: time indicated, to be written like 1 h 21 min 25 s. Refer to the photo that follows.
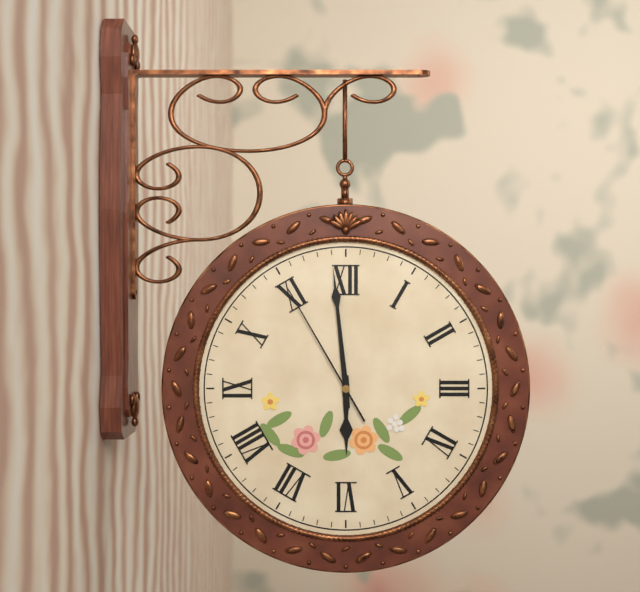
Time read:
5 h 59 min 55 s
